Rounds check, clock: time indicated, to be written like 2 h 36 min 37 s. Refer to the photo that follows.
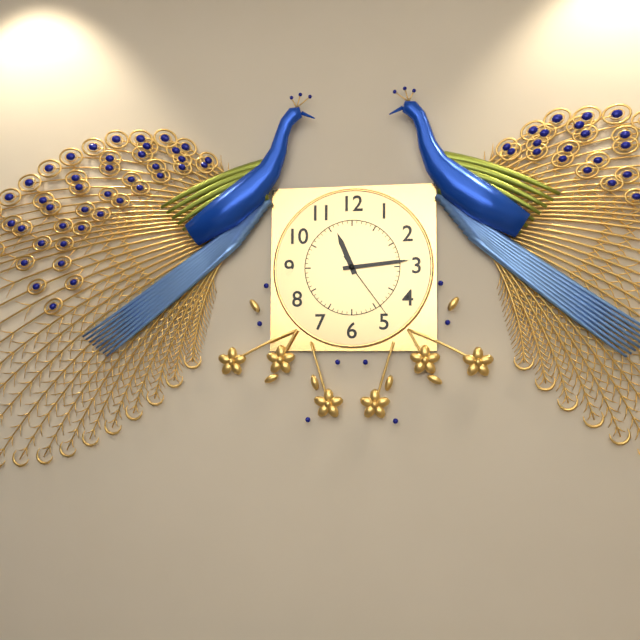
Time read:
11 h 14 min 24 s
